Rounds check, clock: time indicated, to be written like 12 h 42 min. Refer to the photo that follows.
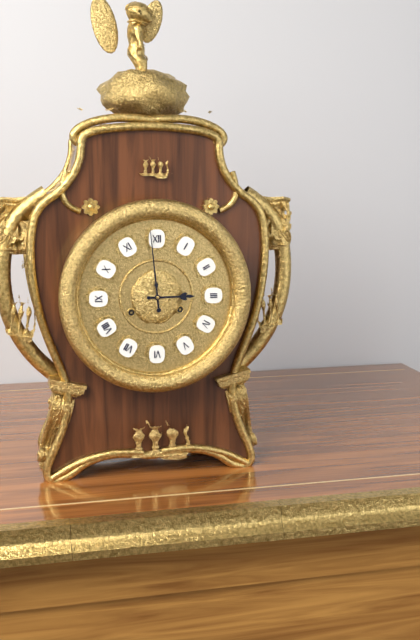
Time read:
2 h 59 min
